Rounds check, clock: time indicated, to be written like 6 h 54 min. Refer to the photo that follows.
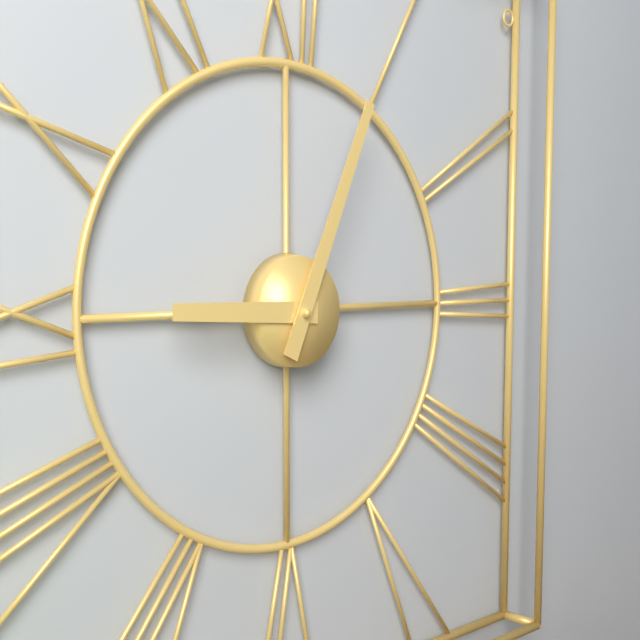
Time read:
9 h 04 min
